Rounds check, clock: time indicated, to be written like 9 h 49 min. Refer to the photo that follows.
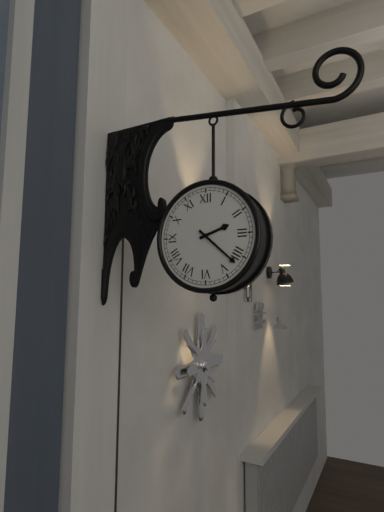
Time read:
2 h 22 min
